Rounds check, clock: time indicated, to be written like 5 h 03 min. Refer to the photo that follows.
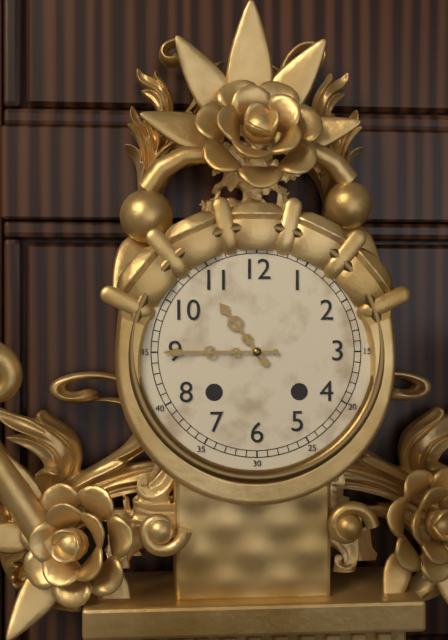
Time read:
10 h 45 min
